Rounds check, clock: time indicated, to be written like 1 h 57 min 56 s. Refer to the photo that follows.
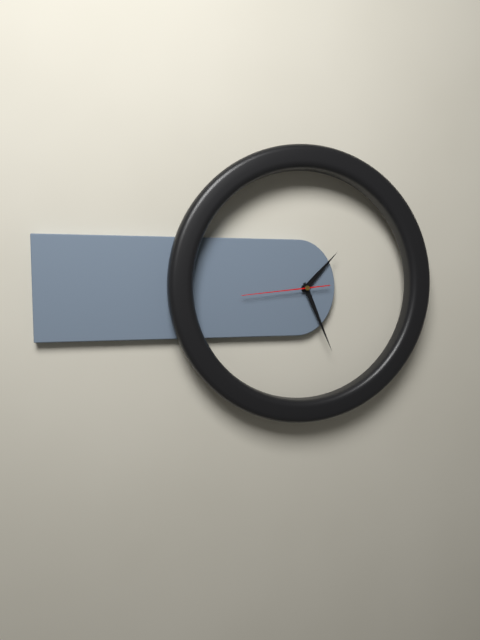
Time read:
1 h 26 min 44 s
